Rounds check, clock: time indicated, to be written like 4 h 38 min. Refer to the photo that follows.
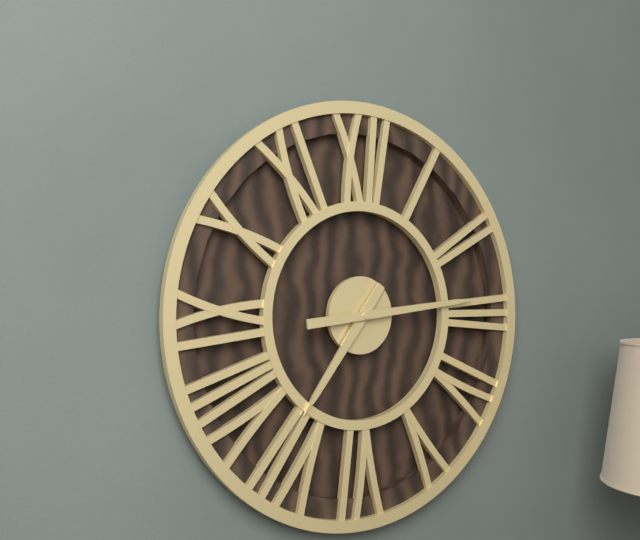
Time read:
7 h 14 min
